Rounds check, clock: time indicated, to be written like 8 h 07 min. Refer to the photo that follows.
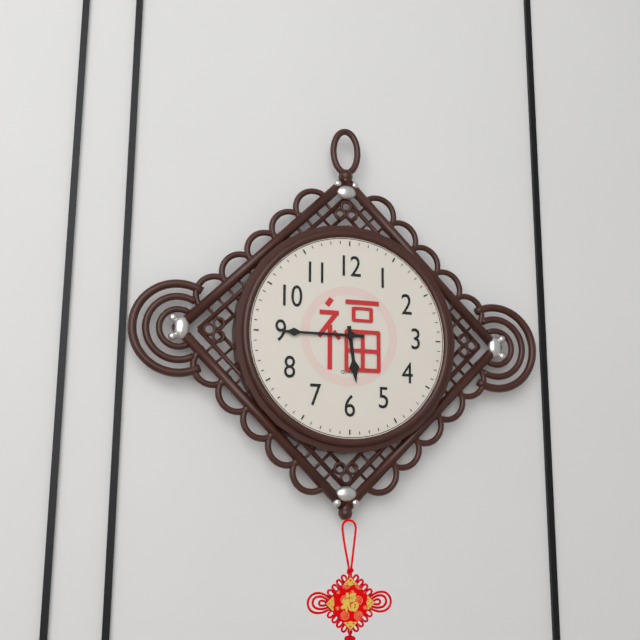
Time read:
5 h 45 min
